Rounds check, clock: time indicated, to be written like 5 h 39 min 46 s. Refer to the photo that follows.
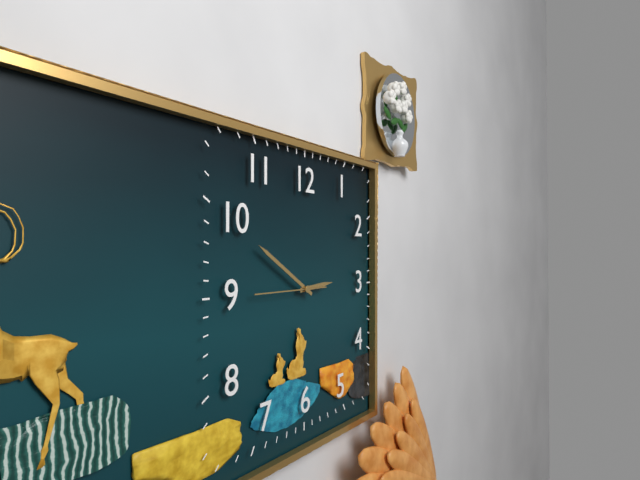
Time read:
2 h 50 min 45 s
